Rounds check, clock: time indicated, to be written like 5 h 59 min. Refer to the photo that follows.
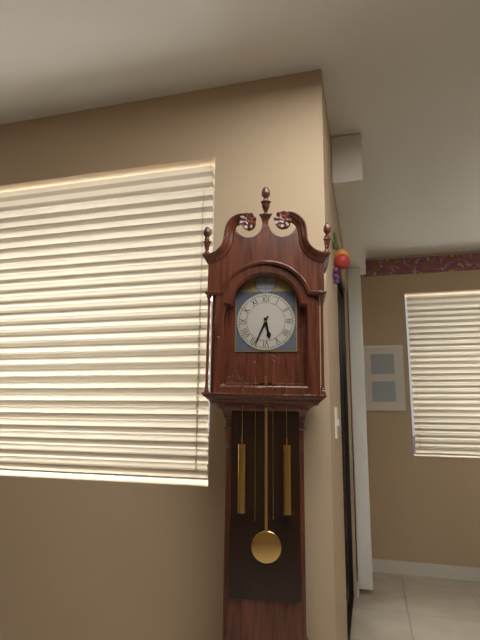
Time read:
5 h 34 min
